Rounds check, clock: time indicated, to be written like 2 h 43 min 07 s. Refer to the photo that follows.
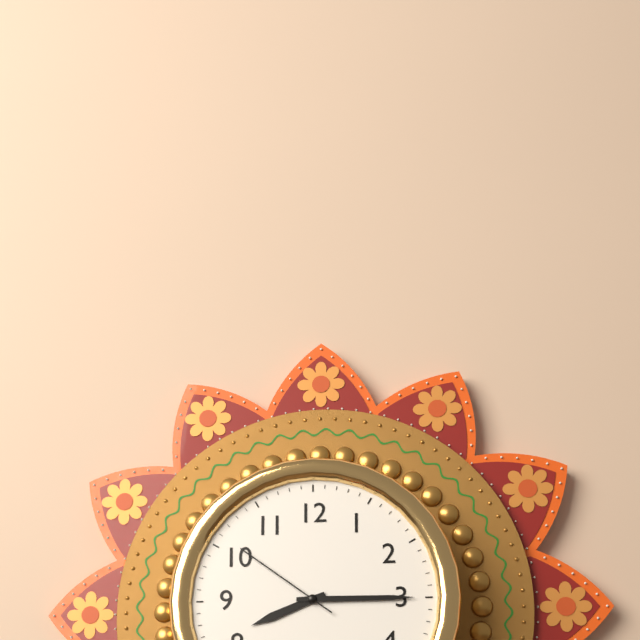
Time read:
8 h 15 min 51 s
